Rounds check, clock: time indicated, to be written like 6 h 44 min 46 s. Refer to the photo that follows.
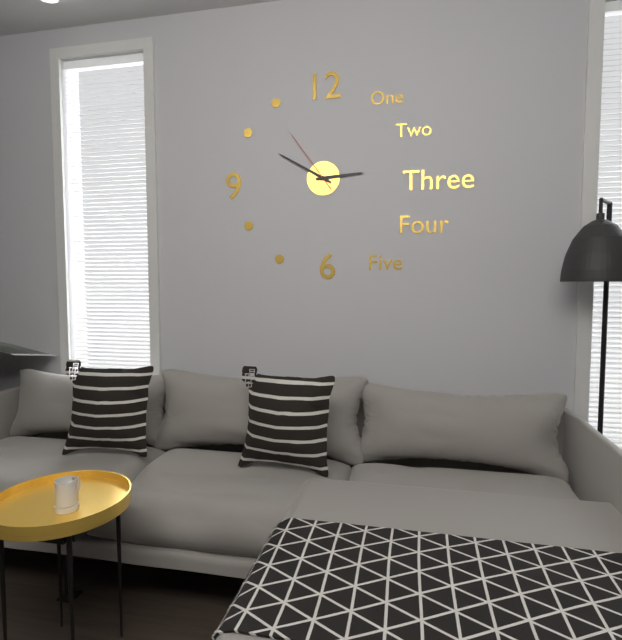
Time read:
2 h 50 min 54 s
